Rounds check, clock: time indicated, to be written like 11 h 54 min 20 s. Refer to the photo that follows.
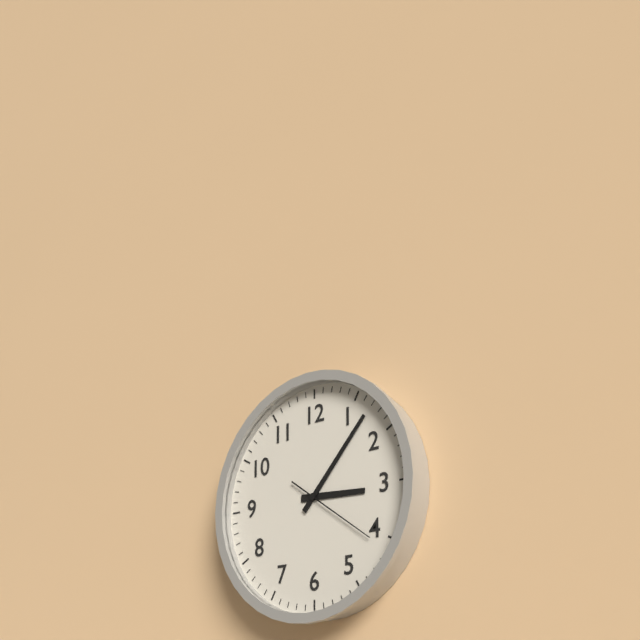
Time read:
3 h 07 min 21 s
